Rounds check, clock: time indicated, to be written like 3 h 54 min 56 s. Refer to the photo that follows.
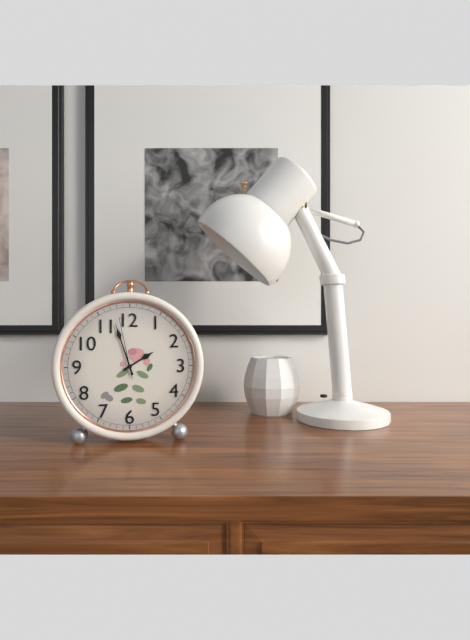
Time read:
1 h 57 min 58 s
